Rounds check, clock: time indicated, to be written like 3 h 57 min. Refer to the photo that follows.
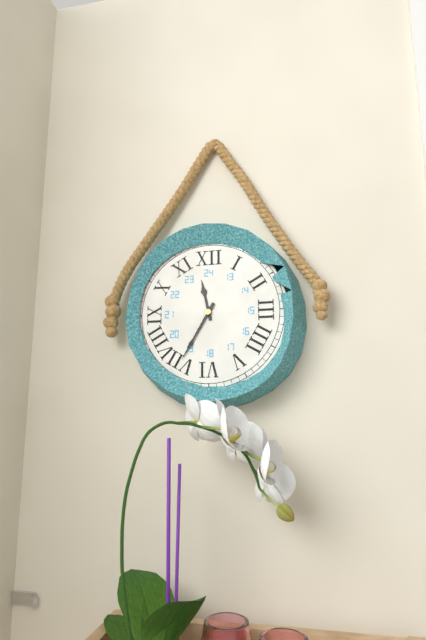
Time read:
11 h 35 min
